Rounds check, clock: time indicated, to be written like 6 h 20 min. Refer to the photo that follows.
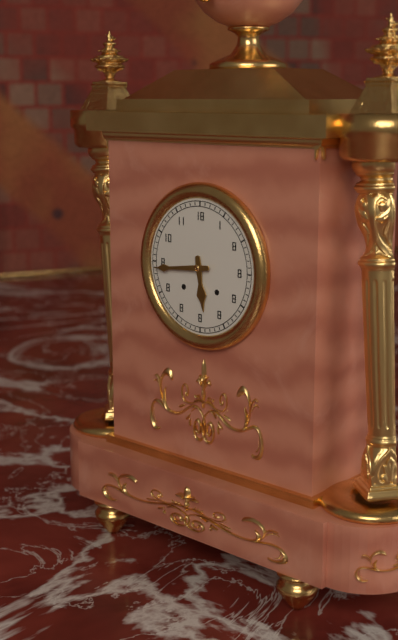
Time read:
5 h 44 min
